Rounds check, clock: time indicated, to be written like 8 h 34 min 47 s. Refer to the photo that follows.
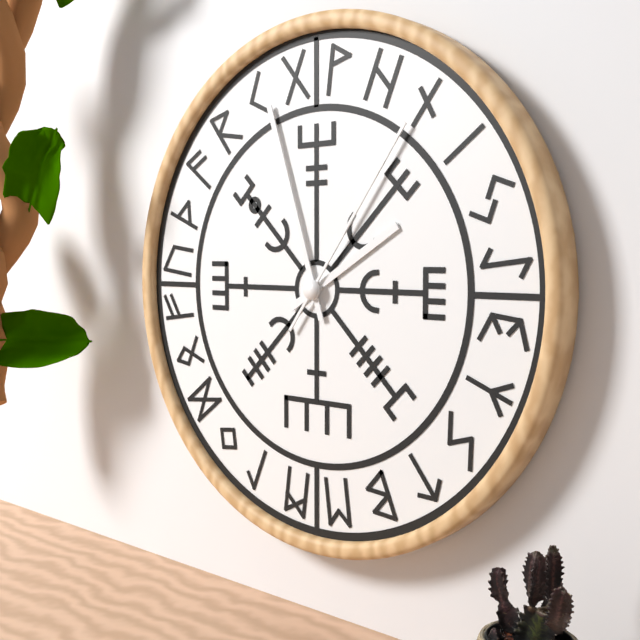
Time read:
1 h 57 min 06 s
